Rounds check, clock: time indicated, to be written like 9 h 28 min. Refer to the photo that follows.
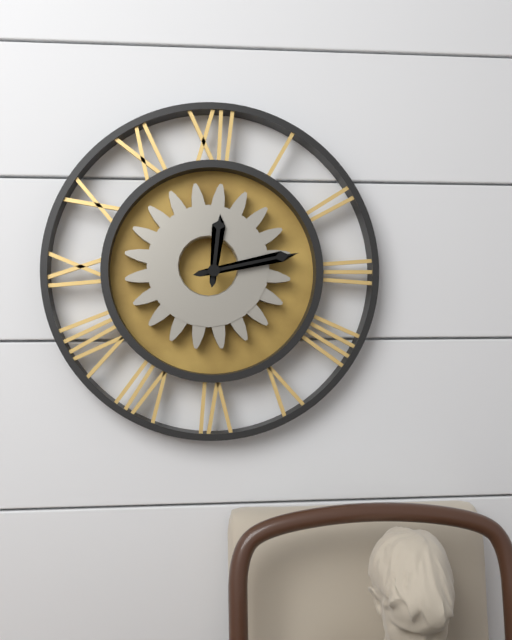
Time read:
12 h 13 min
